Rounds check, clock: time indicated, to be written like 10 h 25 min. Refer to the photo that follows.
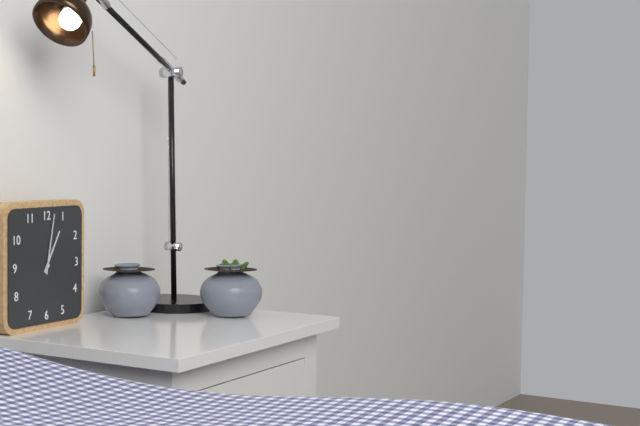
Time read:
1 h 02 min
